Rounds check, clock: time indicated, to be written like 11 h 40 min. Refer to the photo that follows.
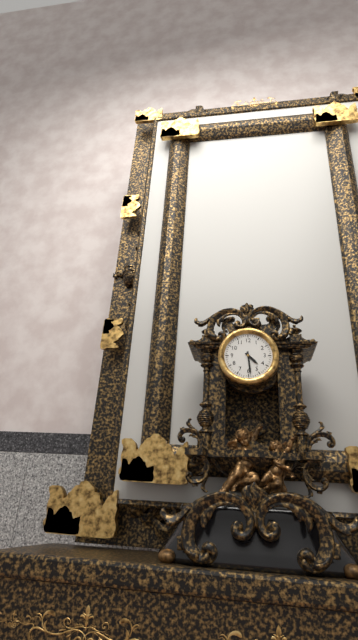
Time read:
4 h 29 min
